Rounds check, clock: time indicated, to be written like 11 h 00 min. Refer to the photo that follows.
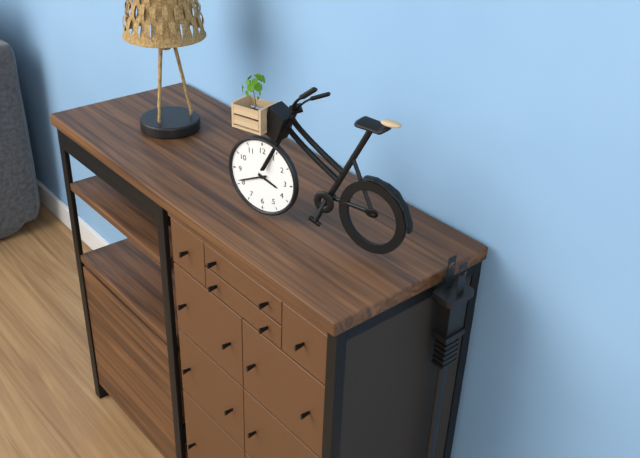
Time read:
3 h 41 min
